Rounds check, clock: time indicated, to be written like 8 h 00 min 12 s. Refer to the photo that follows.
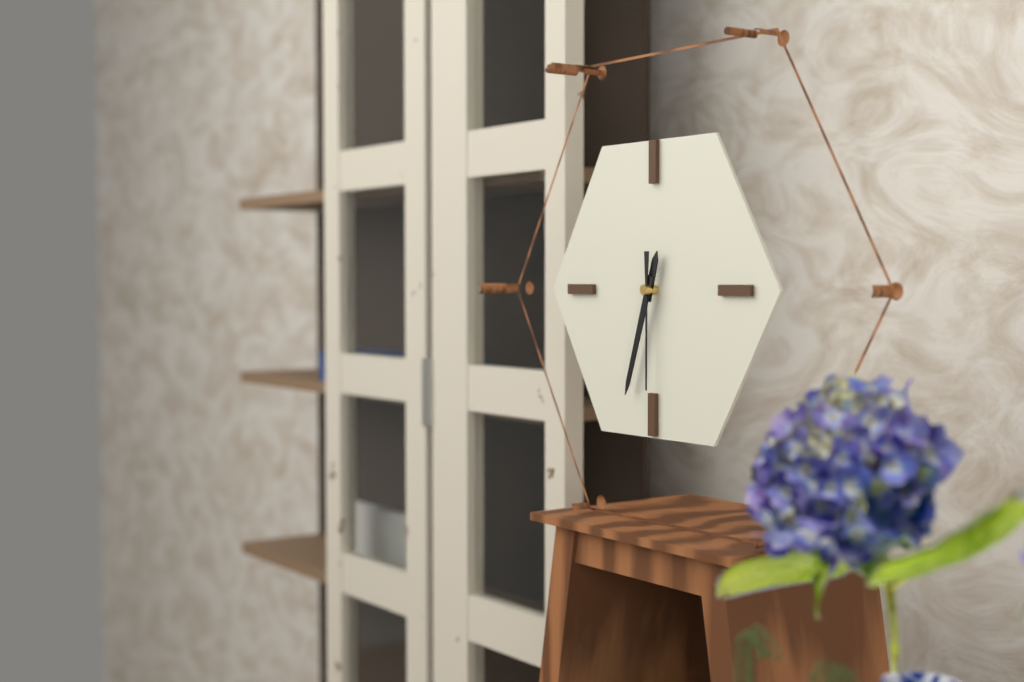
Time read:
12 h 33 min 30 s
